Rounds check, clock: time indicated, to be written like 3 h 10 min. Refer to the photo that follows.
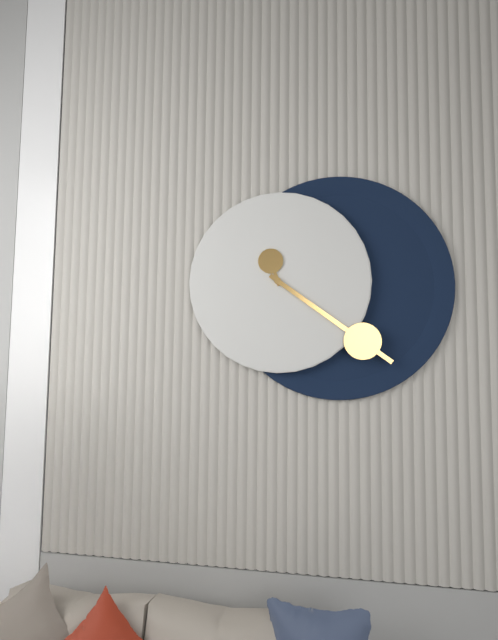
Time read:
11 h 21 min
